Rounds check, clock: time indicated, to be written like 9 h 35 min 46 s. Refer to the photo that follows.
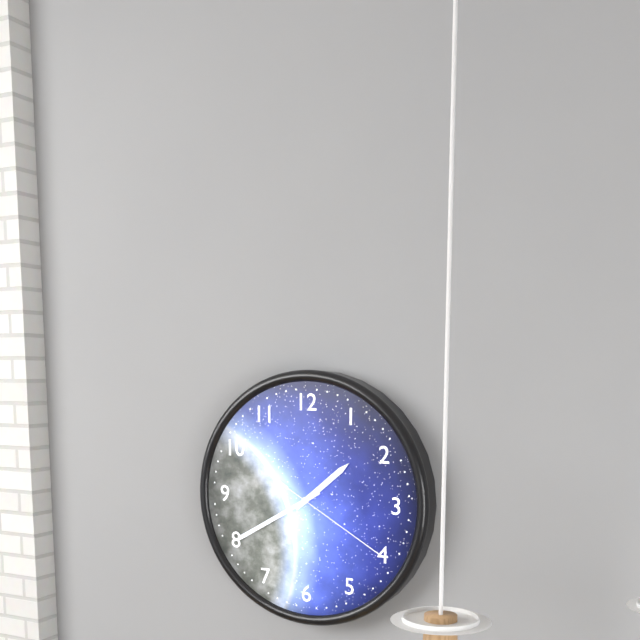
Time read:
1 h 40 min 20 s
